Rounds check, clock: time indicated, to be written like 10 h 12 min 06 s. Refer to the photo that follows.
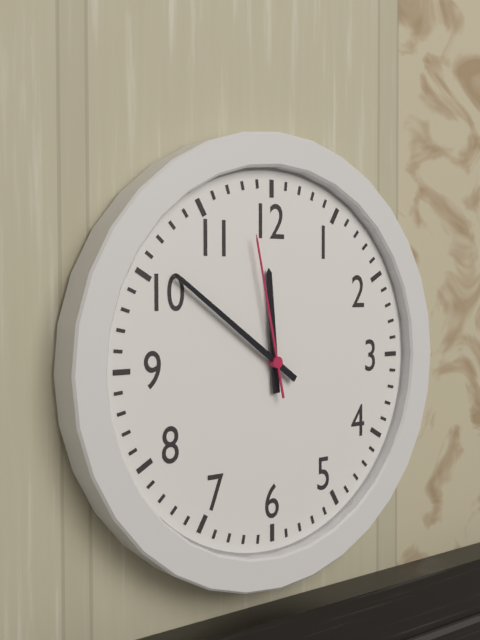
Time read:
11 h 51 min 58 s
